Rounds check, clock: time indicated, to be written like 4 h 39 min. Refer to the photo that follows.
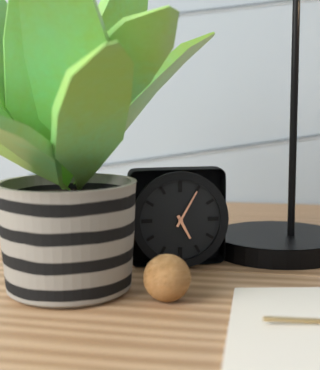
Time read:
5 h 05 min
